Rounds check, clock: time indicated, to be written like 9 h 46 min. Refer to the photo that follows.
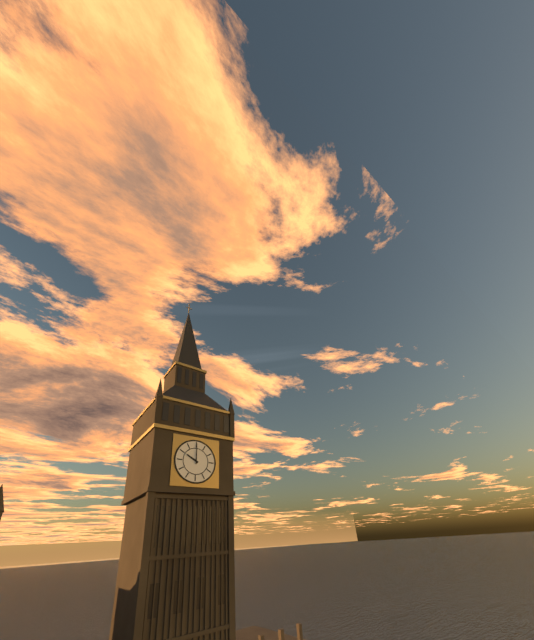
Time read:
10 h 00 min
